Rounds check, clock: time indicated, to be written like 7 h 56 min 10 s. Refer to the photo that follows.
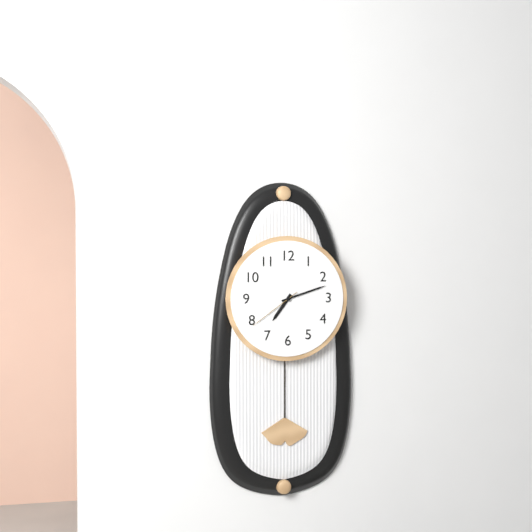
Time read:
7 h 12 min 39 s
